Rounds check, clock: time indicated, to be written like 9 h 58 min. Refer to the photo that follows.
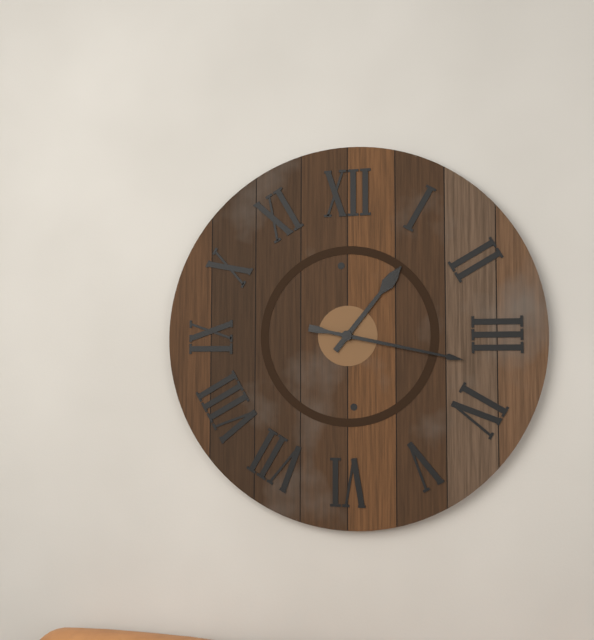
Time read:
1 h 17 min
